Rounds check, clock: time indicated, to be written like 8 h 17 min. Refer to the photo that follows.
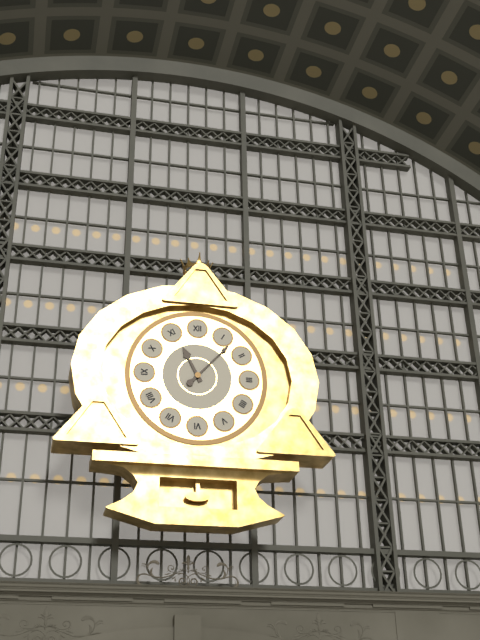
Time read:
11 h 07 min
